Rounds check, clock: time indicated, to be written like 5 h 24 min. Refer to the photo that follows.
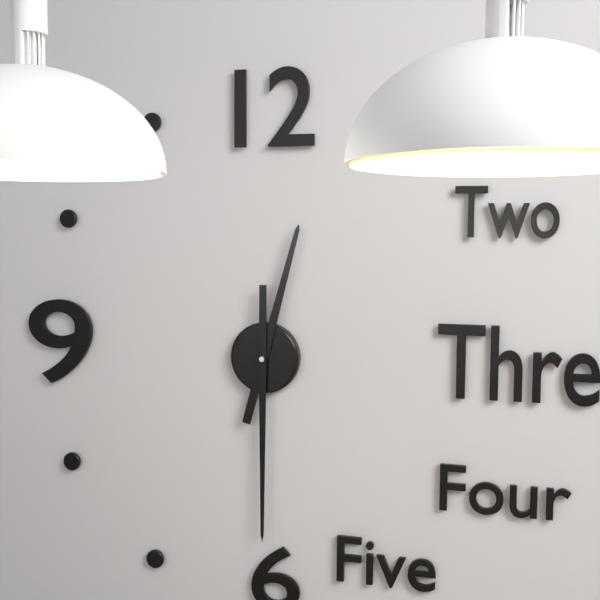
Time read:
12 h 30 min
